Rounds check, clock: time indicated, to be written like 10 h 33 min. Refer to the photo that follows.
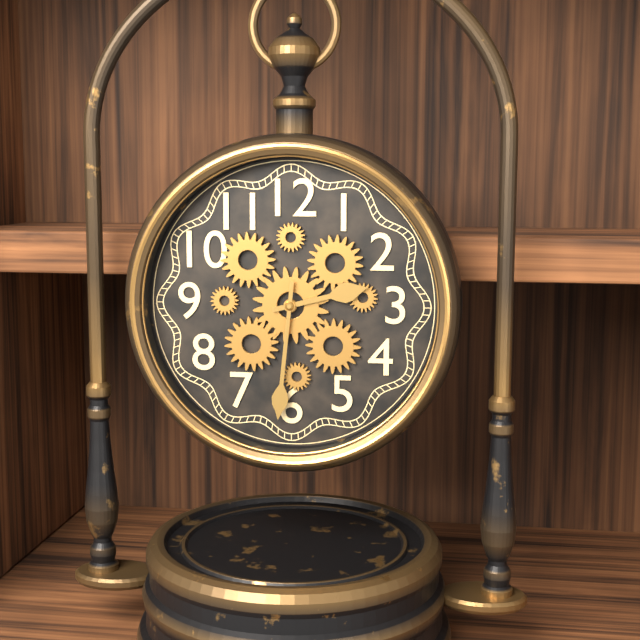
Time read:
2 h 31 min
